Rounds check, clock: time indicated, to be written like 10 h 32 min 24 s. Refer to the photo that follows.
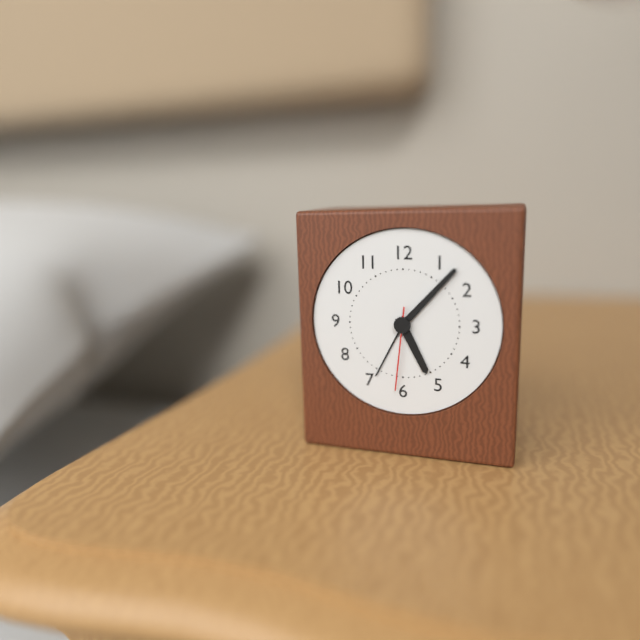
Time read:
5 h 07 min 31 s
